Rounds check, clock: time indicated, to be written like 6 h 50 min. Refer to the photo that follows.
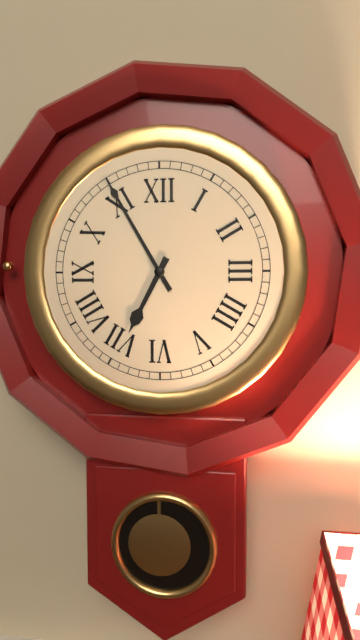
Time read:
6 h 55 min
